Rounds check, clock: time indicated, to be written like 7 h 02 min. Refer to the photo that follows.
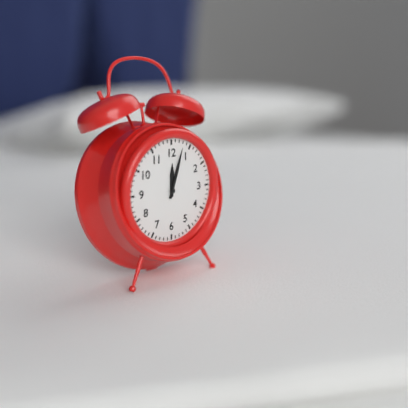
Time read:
12 h 03 min
